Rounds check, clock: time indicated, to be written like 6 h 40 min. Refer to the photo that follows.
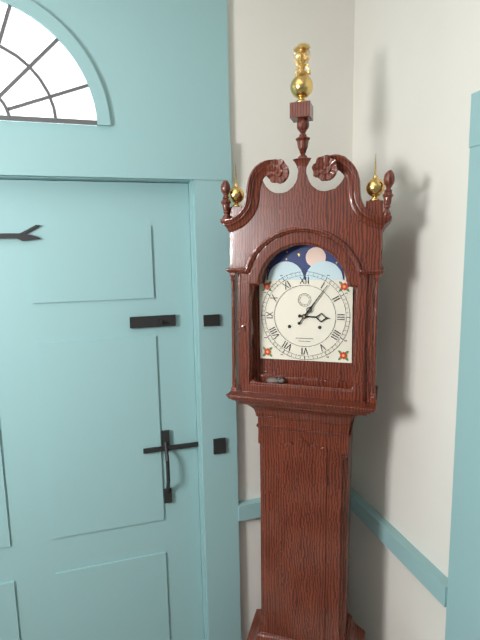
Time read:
3 h 06 min
